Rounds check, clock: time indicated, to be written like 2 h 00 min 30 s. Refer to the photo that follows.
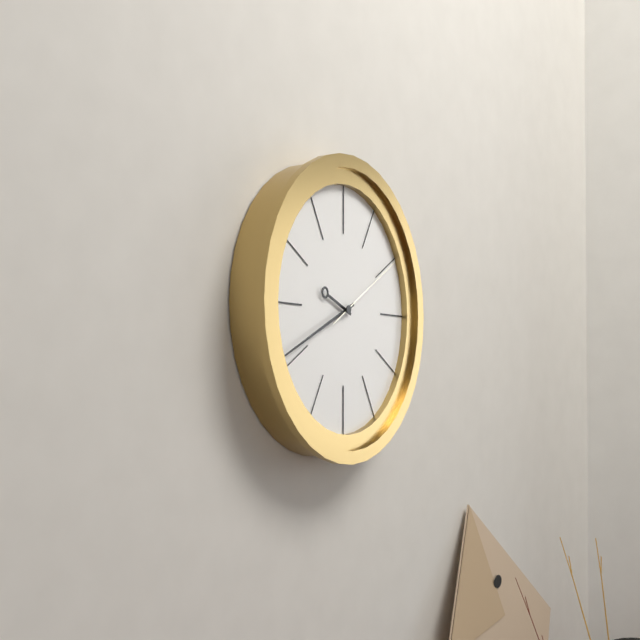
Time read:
9 h 41 min 10 s
